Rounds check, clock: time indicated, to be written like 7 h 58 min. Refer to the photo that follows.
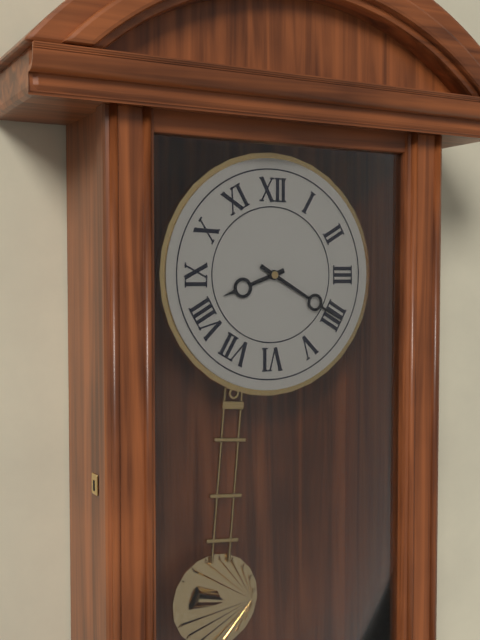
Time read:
8 h 20 min
